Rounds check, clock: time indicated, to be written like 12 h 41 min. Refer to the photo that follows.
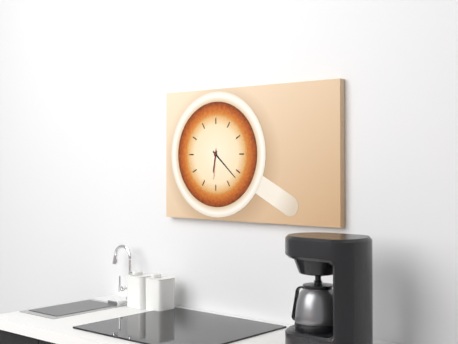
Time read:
6 h 22 min
